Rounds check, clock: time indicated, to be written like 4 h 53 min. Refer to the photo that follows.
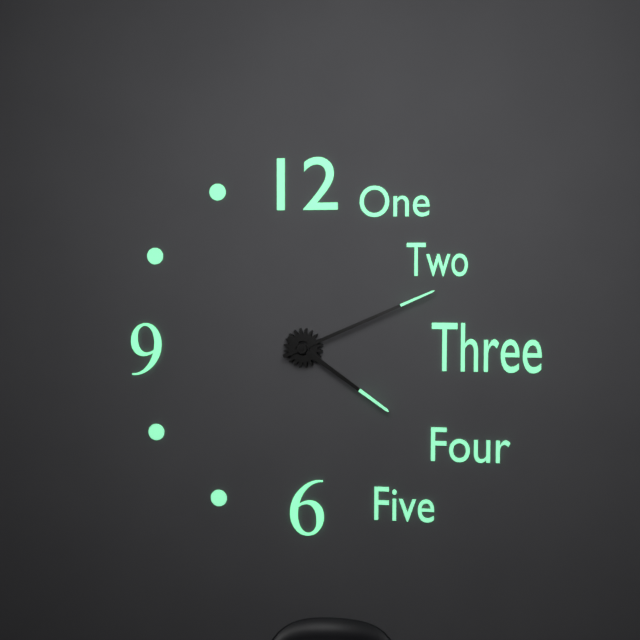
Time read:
4 h 11 min
